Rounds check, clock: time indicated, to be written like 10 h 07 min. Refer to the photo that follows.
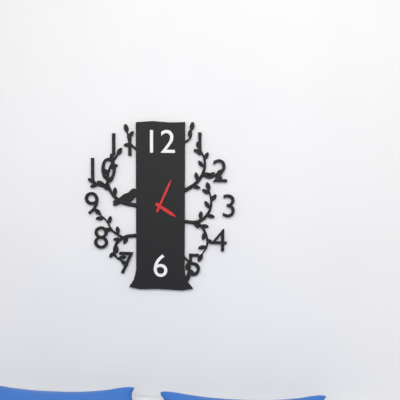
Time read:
4 h 04 min
